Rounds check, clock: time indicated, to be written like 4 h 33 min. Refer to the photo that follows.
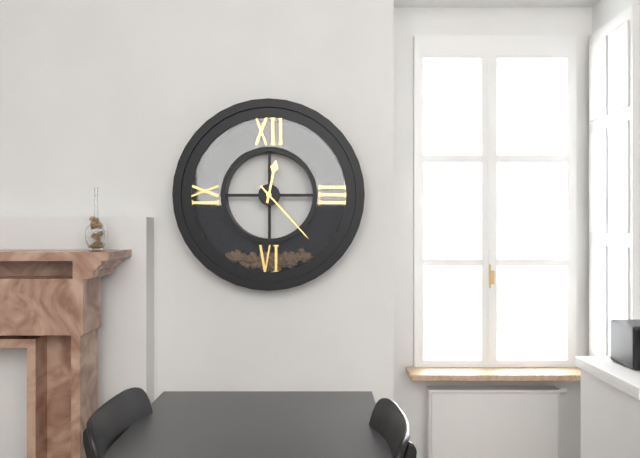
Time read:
12 h 23 min
